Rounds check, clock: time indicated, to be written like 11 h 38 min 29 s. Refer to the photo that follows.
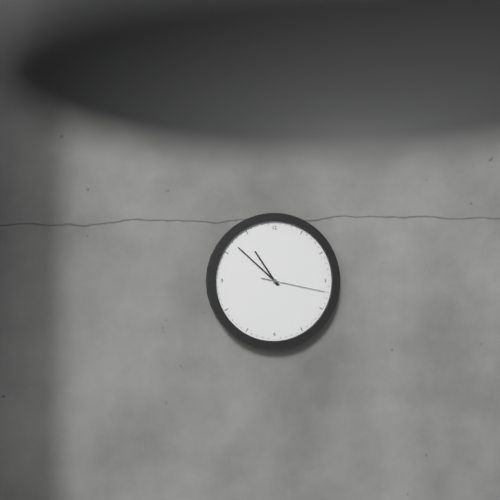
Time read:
10 h 52 min 17 s
